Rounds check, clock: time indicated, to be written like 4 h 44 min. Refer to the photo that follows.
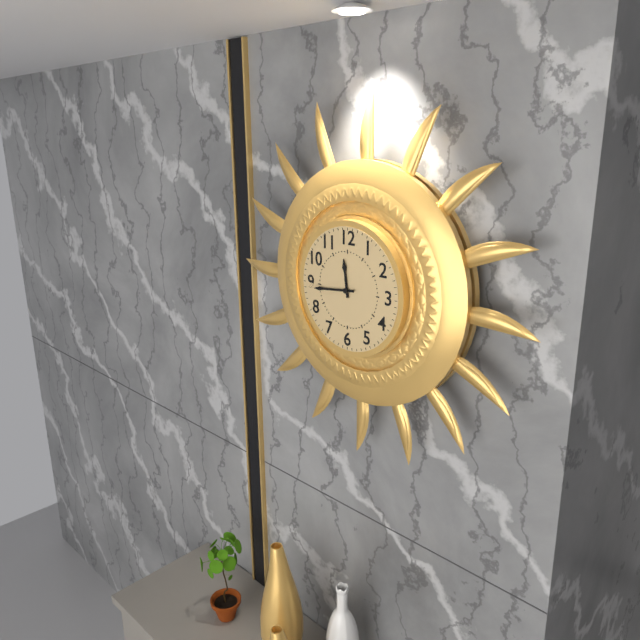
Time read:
11 h 44 min
